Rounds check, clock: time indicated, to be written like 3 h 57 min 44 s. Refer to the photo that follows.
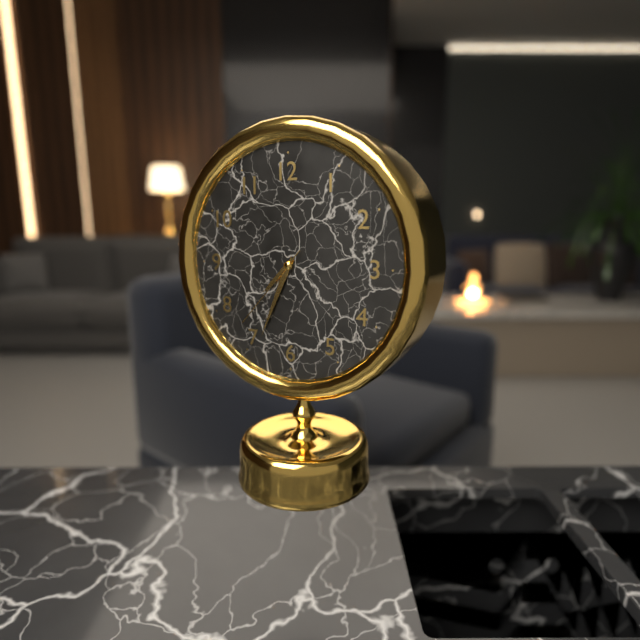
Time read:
7 h 34 min 37 s
